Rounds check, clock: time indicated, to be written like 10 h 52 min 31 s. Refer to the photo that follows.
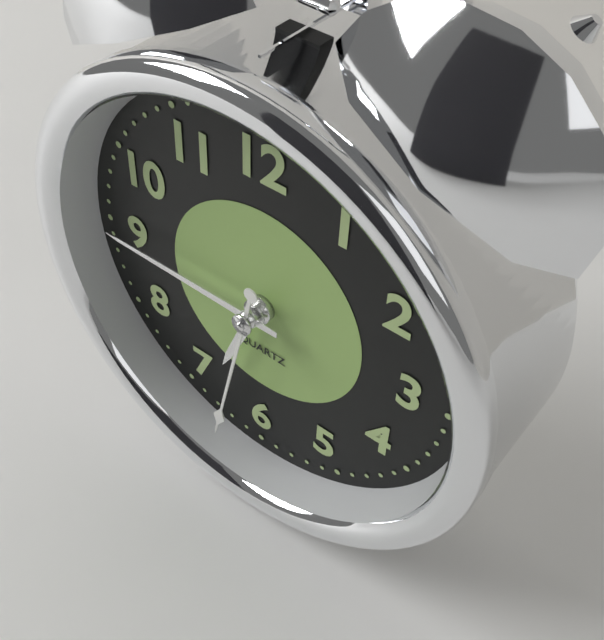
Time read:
6 h 45 min 32 s
